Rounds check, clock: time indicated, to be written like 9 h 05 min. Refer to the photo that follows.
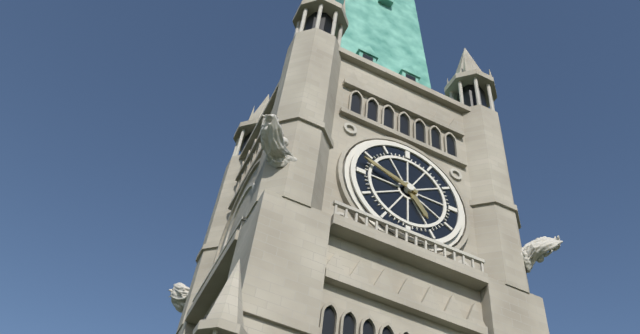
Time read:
4 h 48 min
